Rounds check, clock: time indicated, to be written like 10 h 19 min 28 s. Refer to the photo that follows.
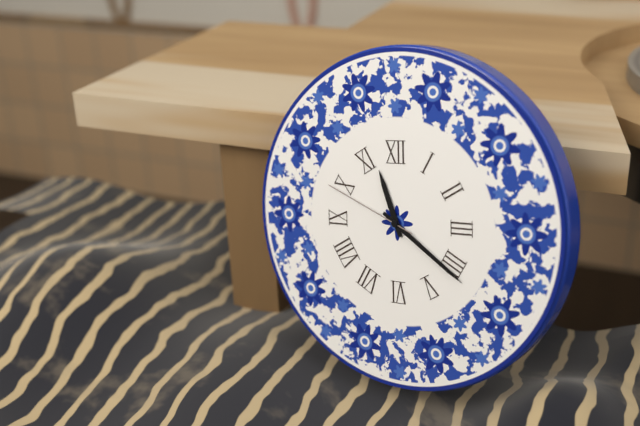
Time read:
11 h 21 min 49 s
